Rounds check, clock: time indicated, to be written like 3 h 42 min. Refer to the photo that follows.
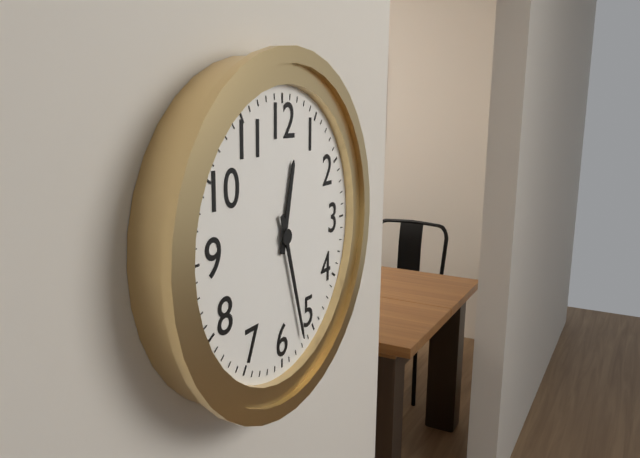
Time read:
12 h 27 min
